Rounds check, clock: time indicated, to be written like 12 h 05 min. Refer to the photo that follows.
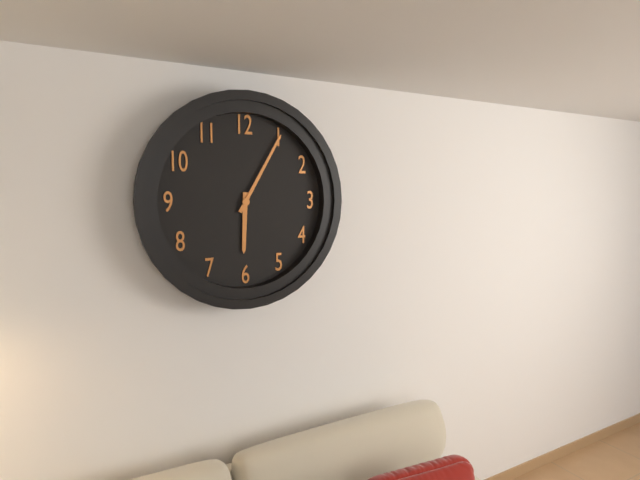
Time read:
6 h 05 min
